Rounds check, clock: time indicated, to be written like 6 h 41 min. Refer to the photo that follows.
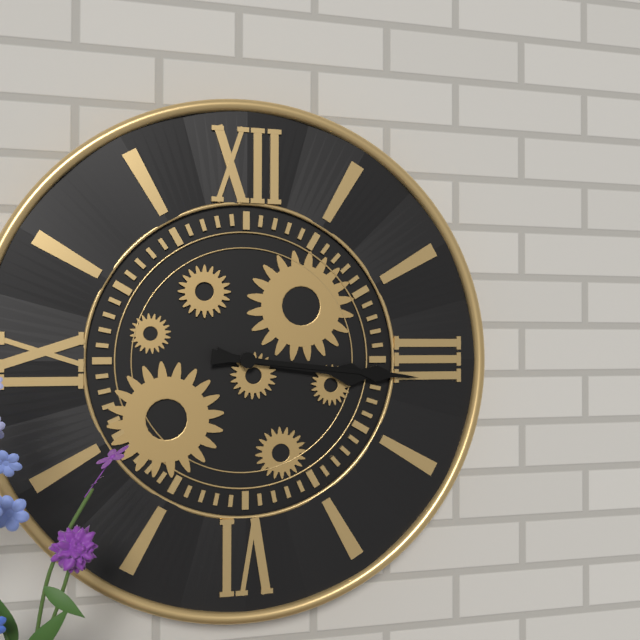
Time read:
3 h 16 min
